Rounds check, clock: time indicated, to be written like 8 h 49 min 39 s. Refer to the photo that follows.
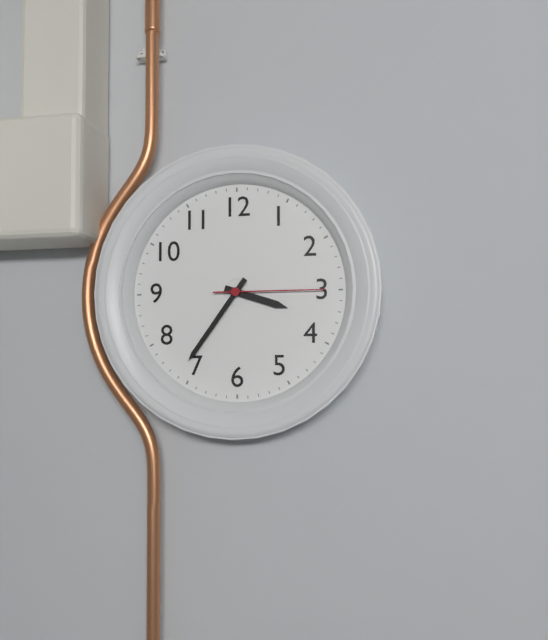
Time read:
3 h 36 min 15 s
